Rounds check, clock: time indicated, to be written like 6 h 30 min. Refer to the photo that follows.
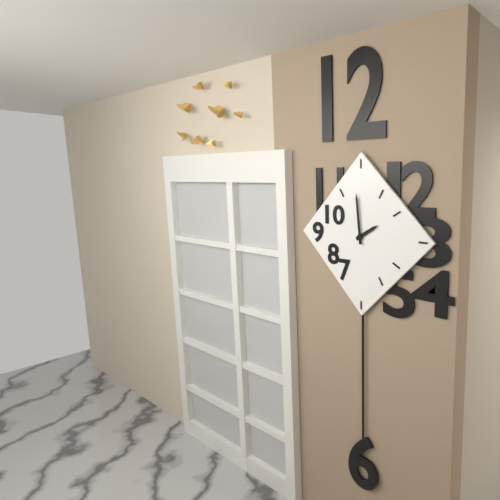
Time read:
1 h 59 min
